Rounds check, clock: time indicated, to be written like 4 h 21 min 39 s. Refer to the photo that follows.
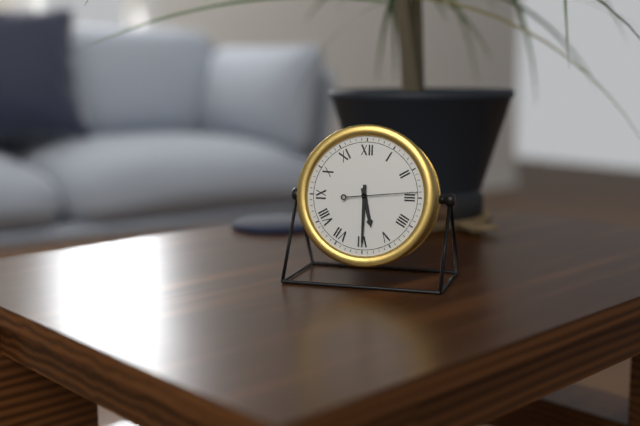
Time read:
5 h 30 min 14 s
